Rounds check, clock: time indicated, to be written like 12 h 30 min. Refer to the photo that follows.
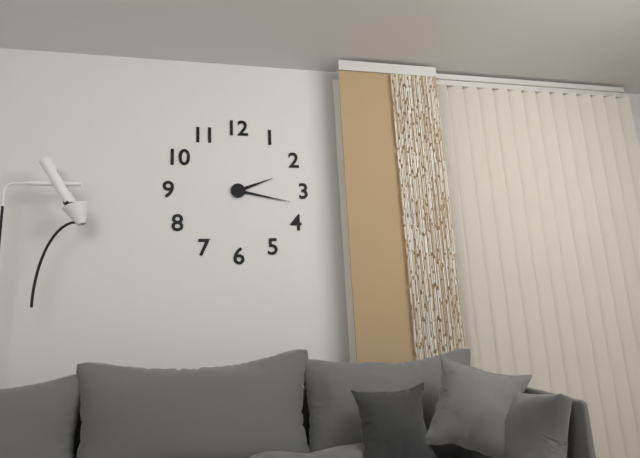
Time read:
2 h 17 min
